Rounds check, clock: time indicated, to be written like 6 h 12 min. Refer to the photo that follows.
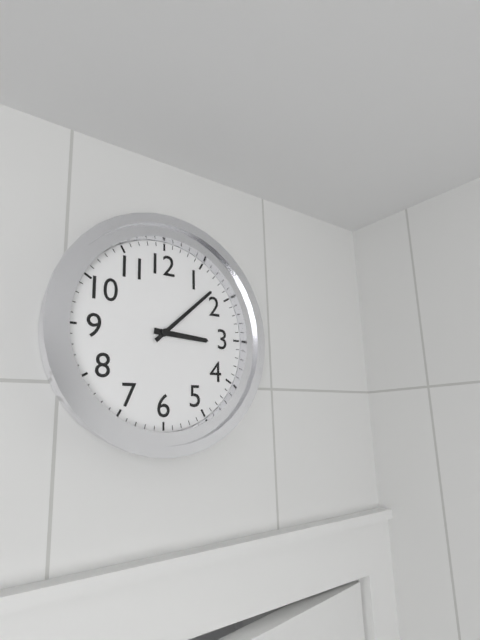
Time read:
3 h 08 min
